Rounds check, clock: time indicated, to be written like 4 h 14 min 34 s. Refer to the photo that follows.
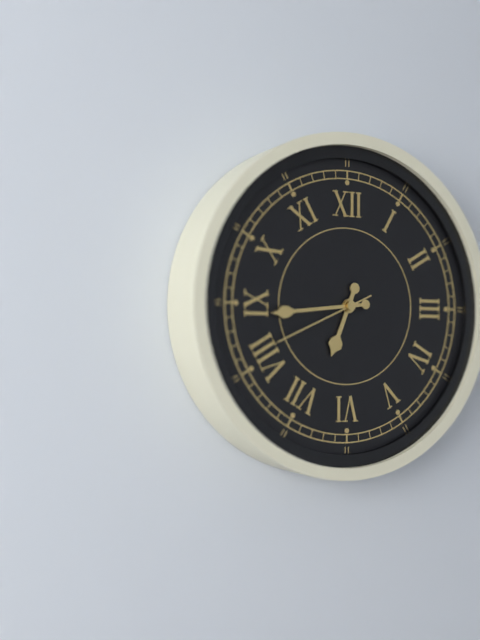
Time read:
6 h 44 min 41 s
